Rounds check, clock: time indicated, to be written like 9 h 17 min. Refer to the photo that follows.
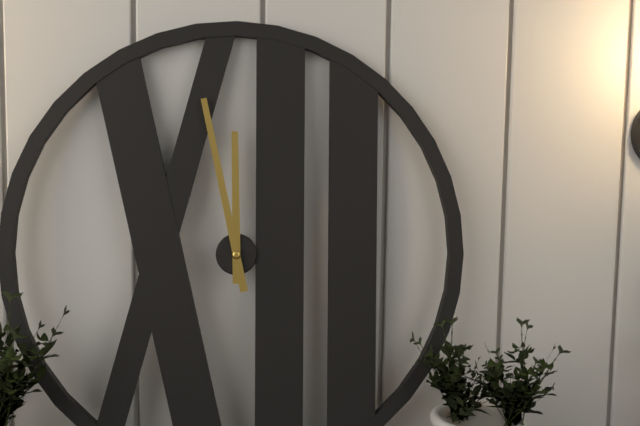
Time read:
11 h 58 min
